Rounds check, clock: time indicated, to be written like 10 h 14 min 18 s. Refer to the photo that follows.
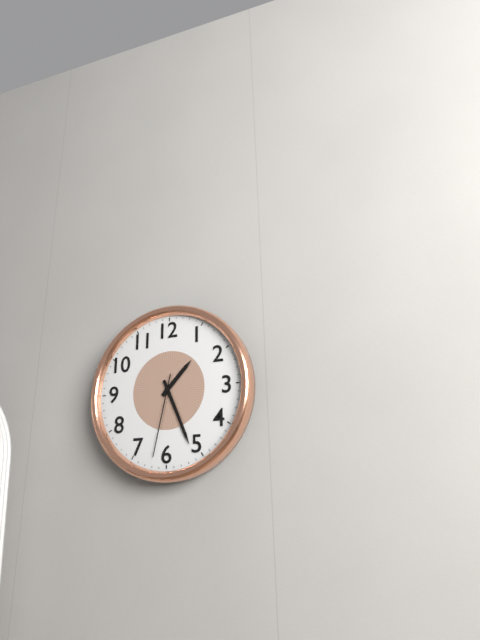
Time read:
1 h 26 min 32 s
